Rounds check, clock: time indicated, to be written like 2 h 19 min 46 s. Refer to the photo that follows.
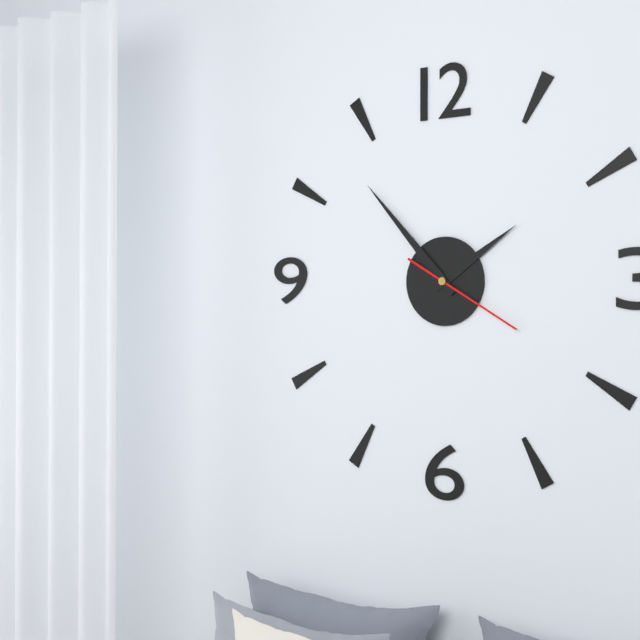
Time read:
1 h 53 min 20 s
